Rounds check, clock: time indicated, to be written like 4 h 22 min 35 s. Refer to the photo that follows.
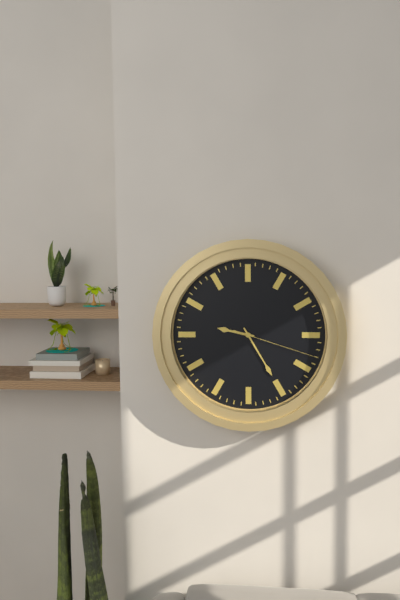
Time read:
9 h 25 min 18 s
